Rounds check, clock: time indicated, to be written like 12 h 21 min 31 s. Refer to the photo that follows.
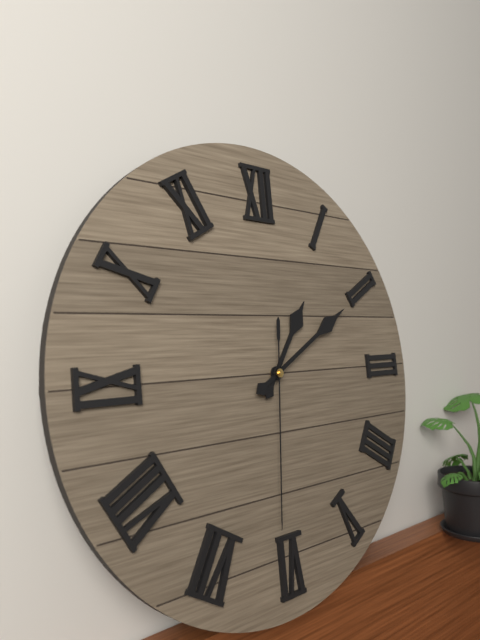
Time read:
1 h 10 min 31 s
